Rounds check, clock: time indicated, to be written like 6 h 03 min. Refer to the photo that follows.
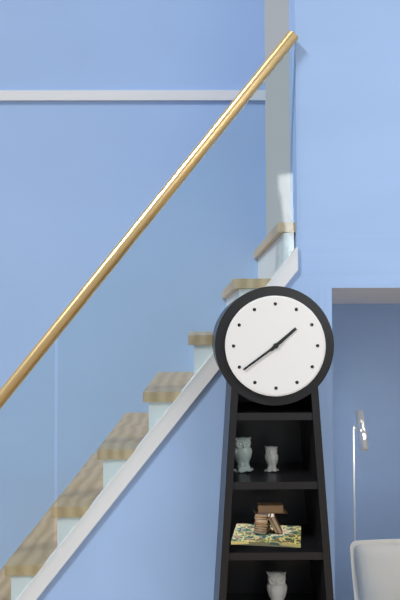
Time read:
1 h 39 min
